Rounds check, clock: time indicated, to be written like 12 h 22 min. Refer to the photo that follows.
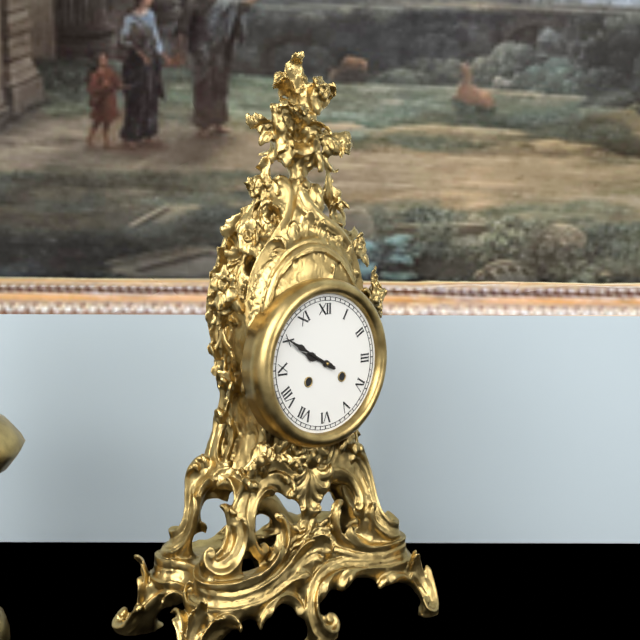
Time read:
9 h 50 min
